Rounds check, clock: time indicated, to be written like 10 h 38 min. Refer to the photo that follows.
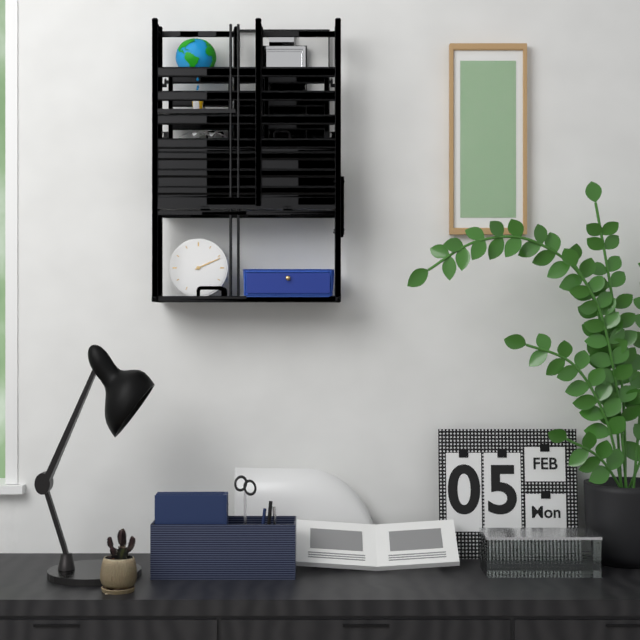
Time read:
2 h 11 min
